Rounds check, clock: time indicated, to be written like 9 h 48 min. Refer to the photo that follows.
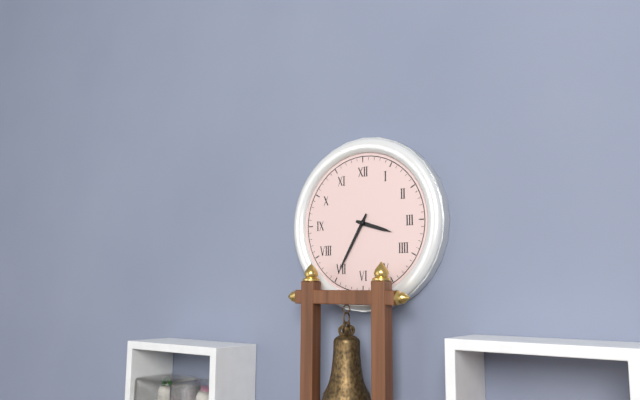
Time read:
3 h 35 min
